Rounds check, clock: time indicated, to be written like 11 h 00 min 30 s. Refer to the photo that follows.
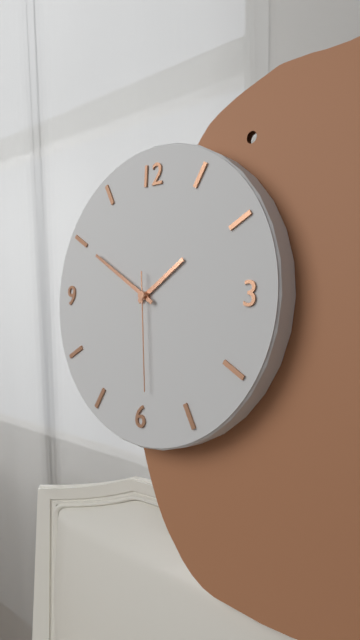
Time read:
1 h 50 min 29 s
